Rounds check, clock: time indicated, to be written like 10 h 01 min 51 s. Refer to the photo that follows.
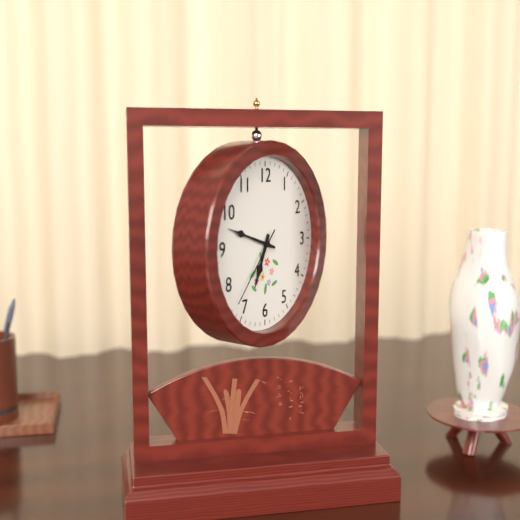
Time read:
6 h 48 min 37 s
